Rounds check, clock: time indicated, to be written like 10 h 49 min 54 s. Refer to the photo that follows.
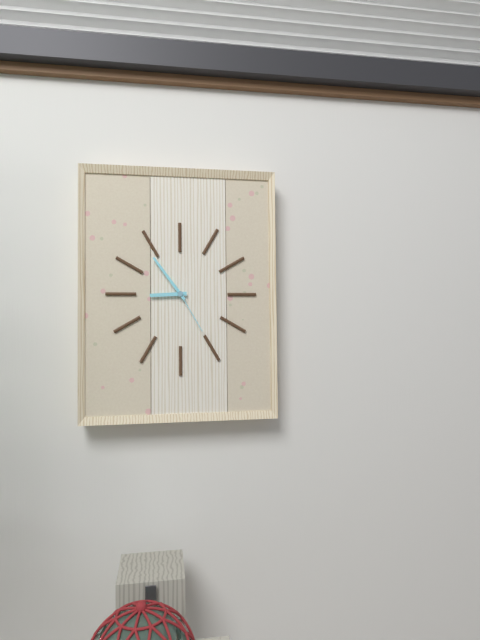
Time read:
8 h 54 min 25 s
